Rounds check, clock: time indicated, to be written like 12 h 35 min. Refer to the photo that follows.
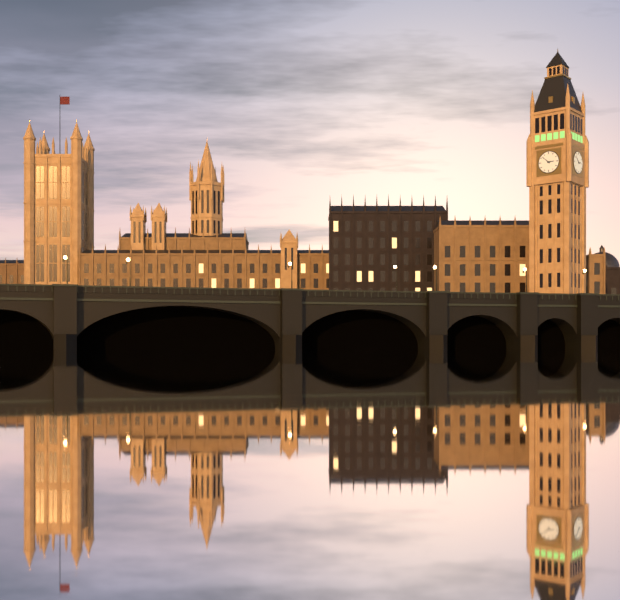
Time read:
2 h 52 min
